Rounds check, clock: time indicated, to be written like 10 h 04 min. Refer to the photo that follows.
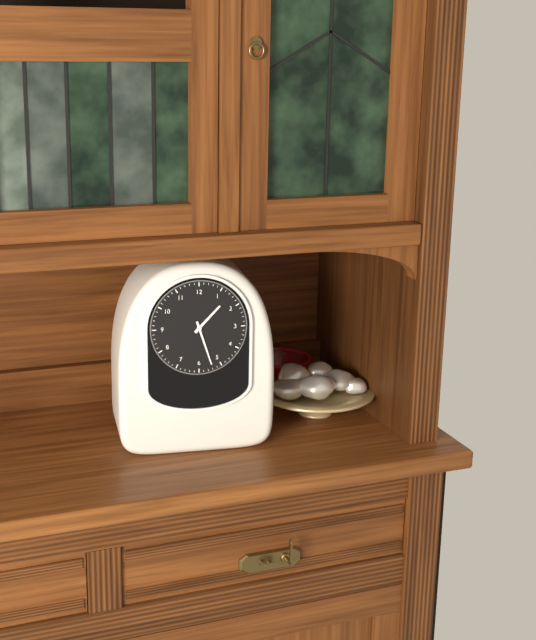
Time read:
1 h 27 min
